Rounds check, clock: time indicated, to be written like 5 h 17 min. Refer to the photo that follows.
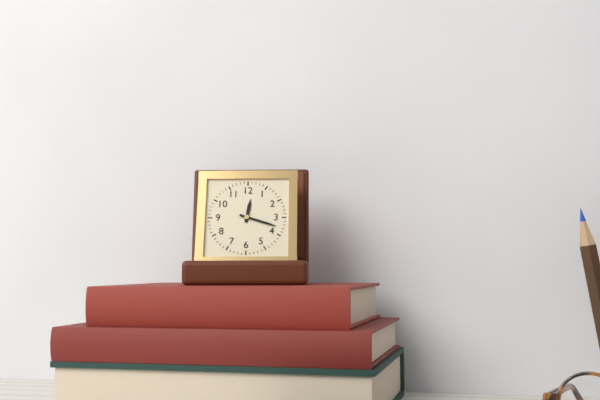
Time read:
12 h 18 min
